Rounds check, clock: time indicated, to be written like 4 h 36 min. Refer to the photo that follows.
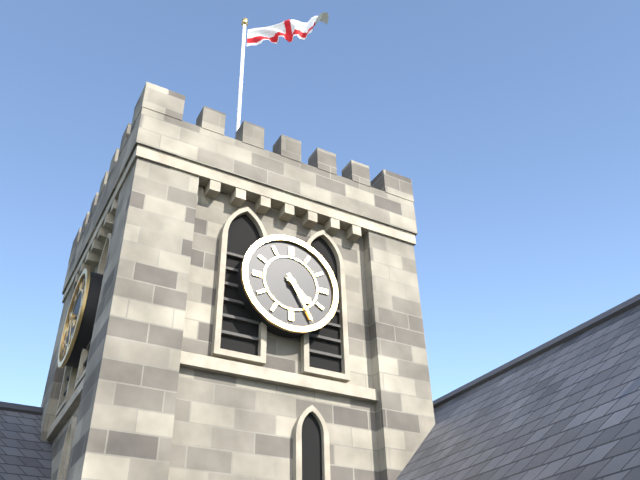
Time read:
4 h 25 min
